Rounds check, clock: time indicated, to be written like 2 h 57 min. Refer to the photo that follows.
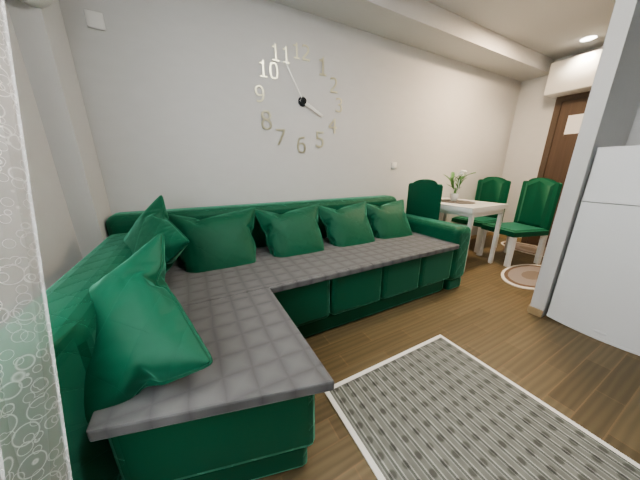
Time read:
3 h 55 min
